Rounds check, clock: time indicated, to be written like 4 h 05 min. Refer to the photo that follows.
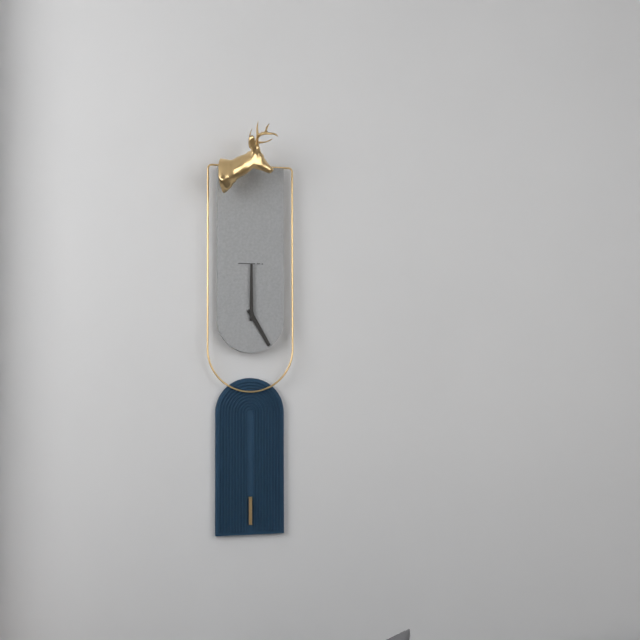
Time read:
5 h 00 min
